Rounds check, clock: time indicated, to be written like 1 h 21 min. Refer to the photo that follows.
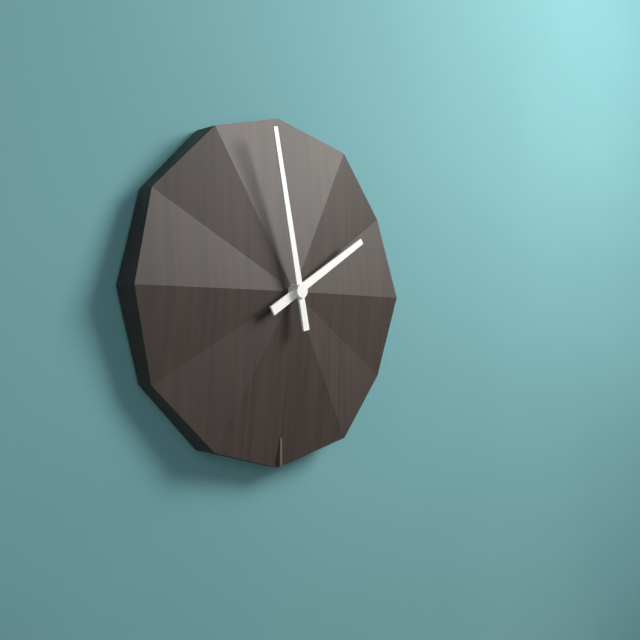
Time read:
1 h 58 min
